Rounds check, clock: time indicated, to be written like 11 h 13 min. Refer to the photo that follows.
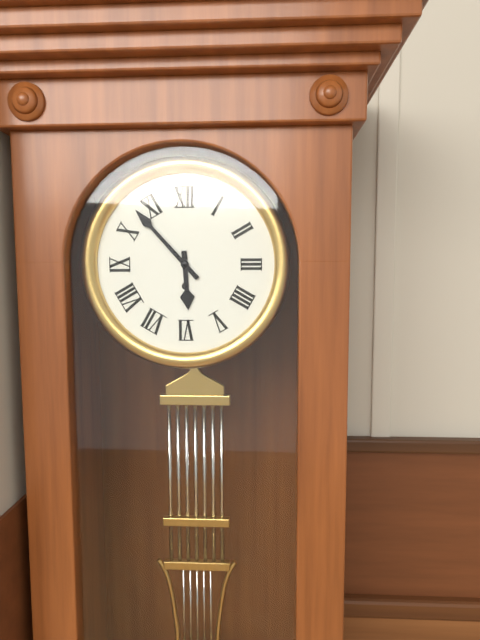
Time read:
5 h 53 min
